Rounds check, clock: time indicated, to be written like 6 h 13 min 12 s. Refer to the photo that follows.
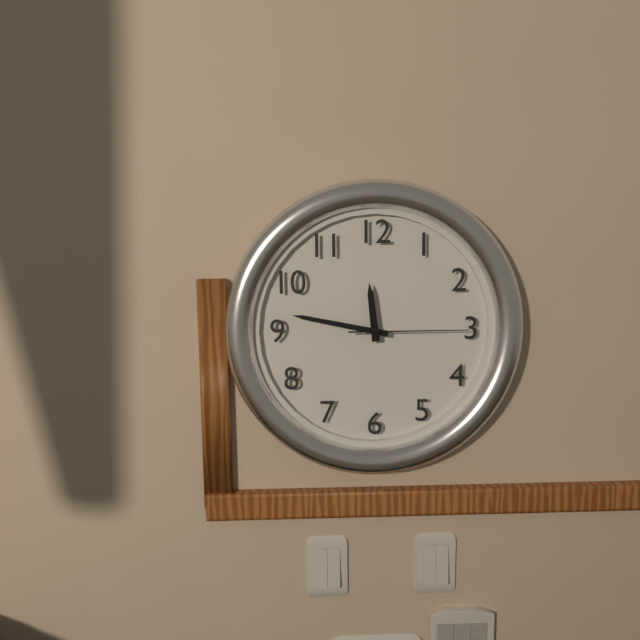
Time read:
11 h 47 min 15 s
